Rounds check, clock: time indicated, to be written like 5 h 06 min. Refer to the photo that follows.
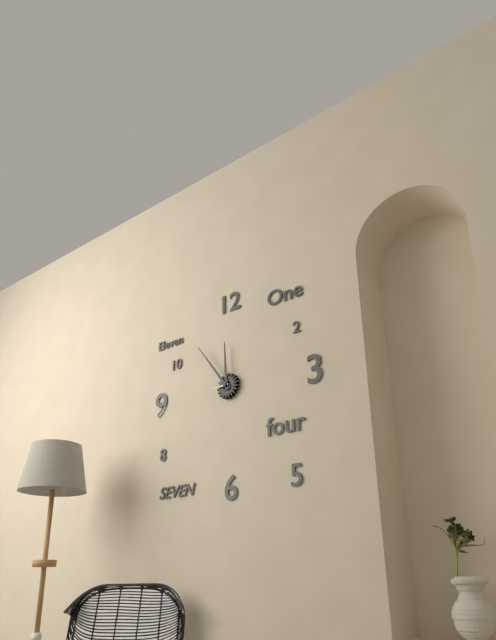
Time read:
11 h 54 min
